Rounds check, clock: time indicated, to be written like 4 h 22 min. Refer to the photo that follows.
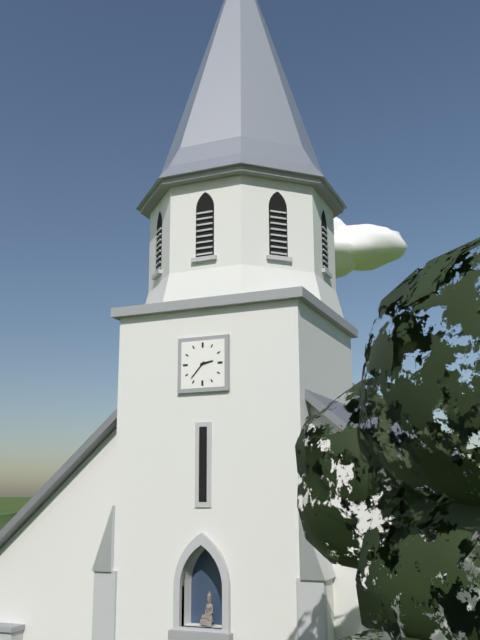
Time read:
2 h 37 min
